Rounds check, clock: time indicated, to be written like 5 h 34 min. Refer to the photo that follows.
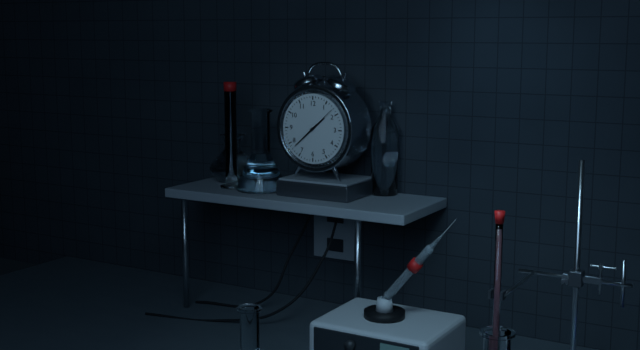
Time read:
1 h 38 min
